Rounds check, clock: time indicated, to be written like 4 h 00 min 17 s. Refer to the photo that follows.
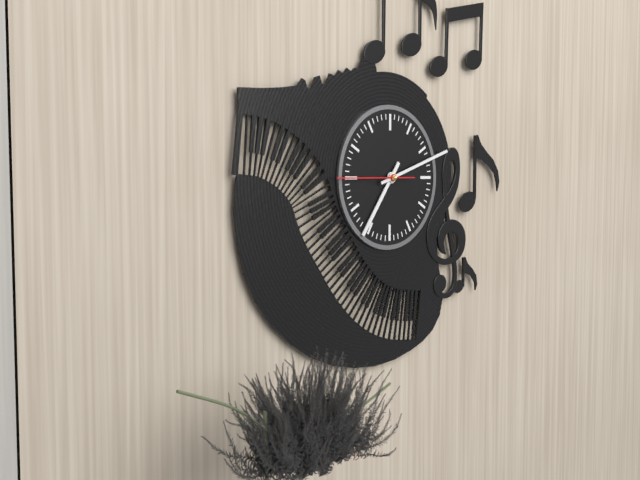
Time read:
7 h 12 min 45 s
